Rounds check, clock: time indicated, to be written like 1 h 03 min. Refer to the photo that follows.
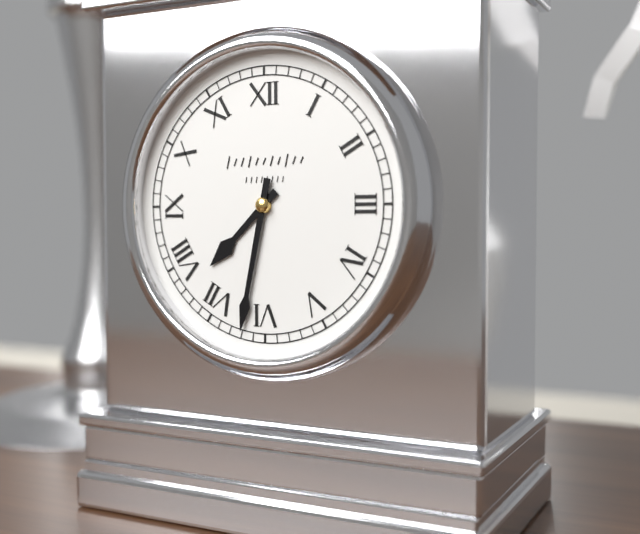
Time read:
7 h 32 min
